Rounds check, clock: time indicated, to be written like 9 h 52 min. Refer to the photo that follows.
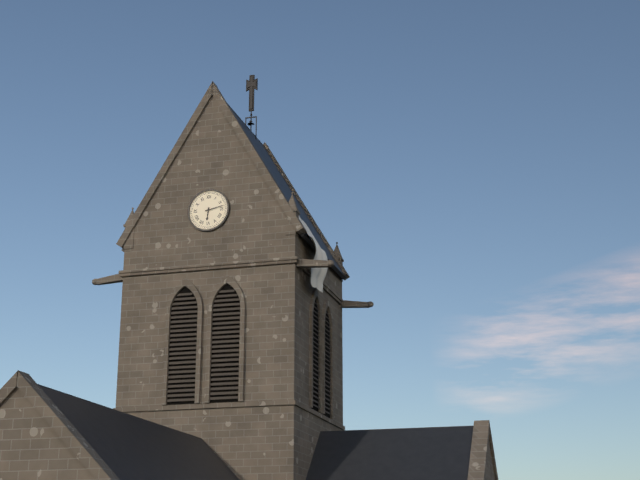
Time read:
6 h 13 min
